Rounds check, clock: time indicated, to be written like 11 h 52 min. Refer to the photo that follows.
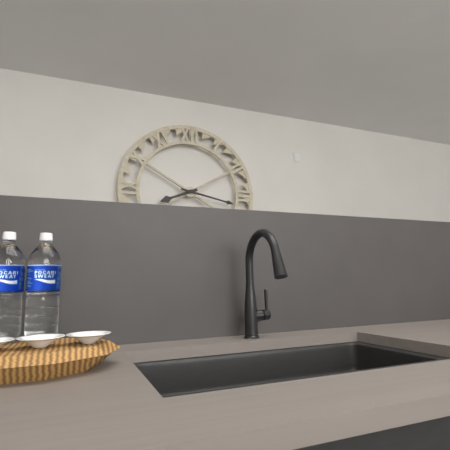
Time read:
8 h 17 min
